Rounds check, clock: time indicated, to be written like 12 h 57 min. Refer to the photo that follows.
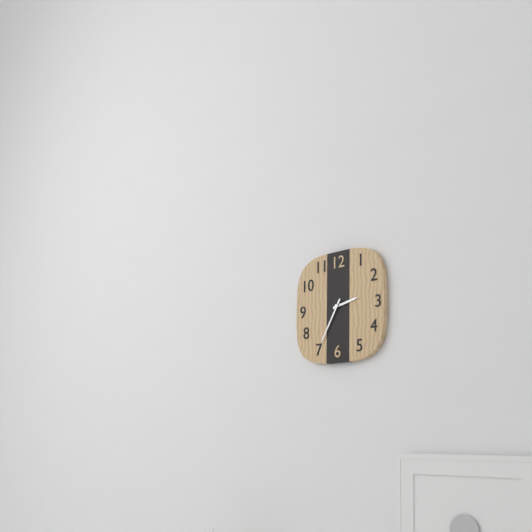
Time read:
2 h 35 min
